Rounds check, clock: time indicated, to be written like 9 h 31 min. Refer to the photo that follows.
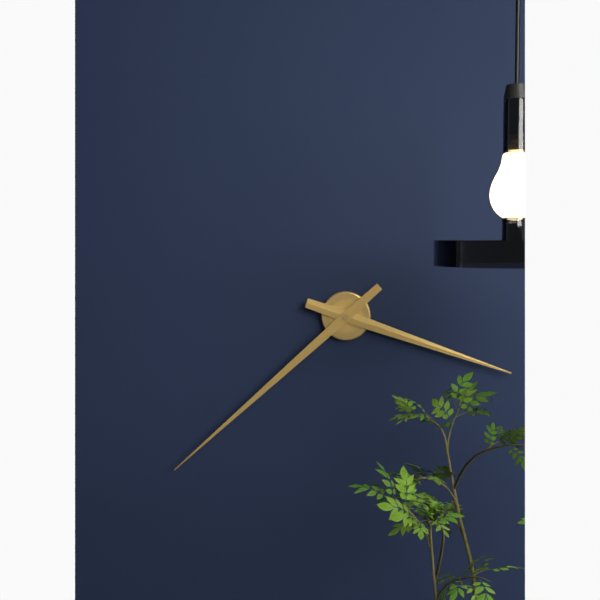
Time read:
3 h 38 min
